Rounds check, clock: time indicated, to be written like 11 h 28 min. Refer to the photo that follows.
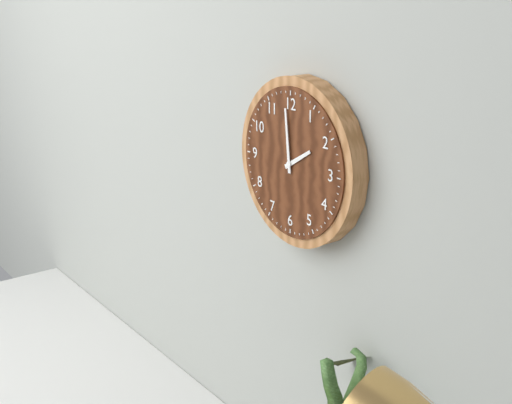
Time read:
1 h 59 min
